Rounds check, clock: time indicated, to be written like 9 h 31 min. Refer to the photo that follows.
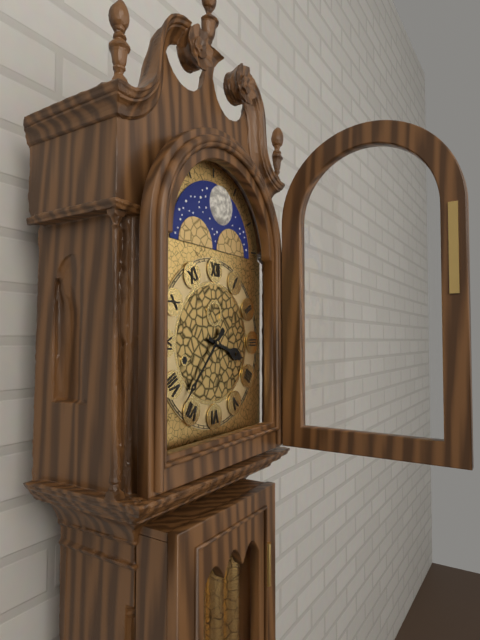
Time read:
3 h 37 min
